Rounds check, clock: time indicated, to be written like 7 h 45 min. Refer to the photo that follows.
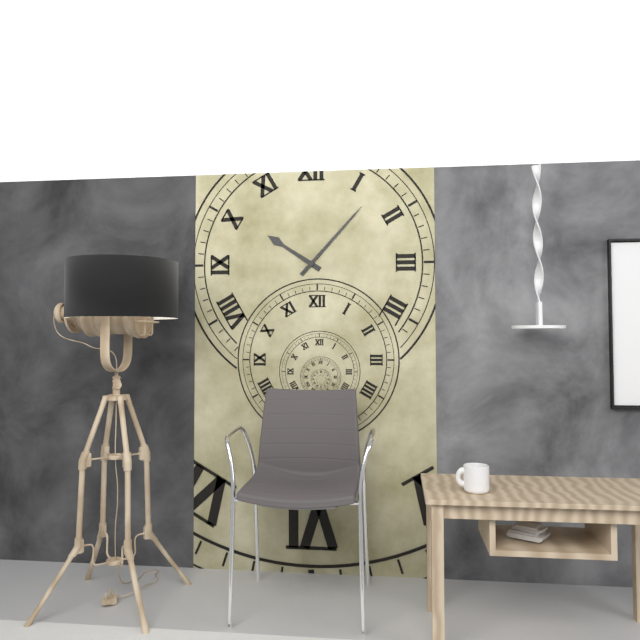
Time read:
10 h 07 min
